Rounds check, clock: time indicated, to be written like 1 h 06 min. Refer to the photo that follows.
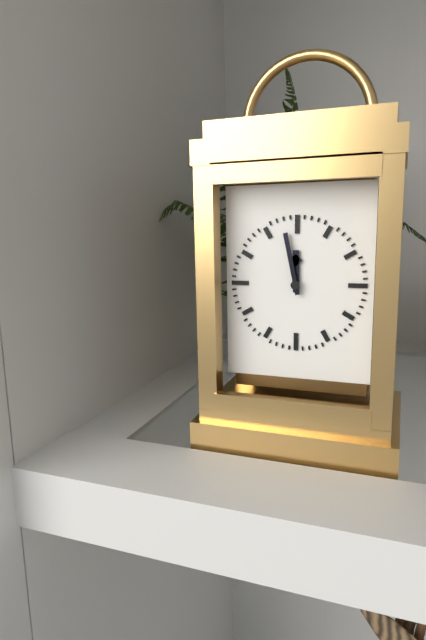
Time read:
11 h 58 min
